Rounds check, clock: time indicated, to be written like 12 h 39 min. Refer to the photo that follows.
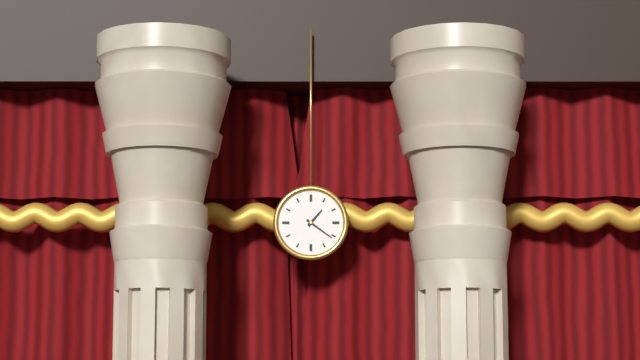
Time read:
1 h 21 min
